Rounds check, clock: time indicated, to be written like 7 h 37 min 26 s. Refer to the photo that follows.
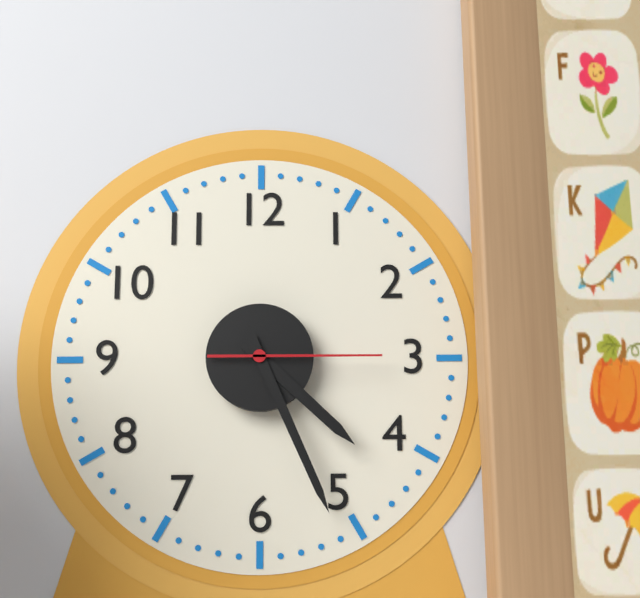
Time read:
4 h 26 min 15 s
